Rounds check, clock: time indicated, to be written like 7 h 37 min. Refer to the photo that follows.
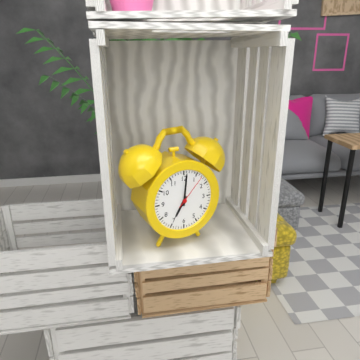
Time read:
7 h 01 min
